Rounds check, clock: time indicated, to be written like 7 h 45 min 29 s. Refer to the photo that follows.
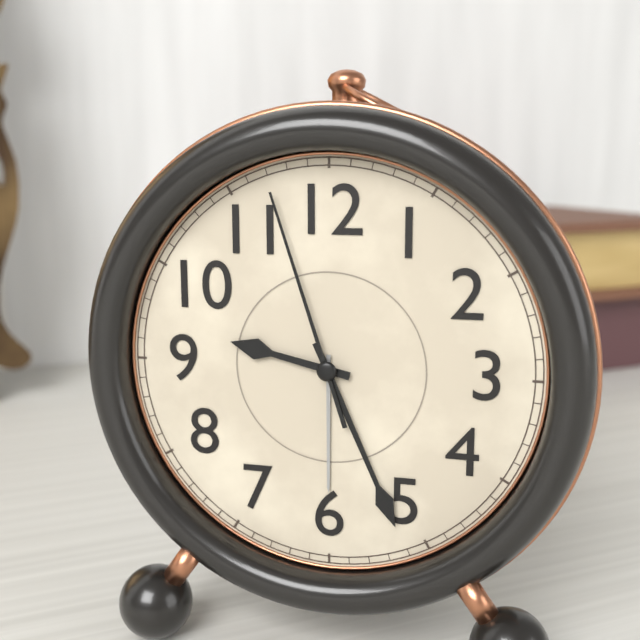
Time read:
9 h 26 min 57 s
